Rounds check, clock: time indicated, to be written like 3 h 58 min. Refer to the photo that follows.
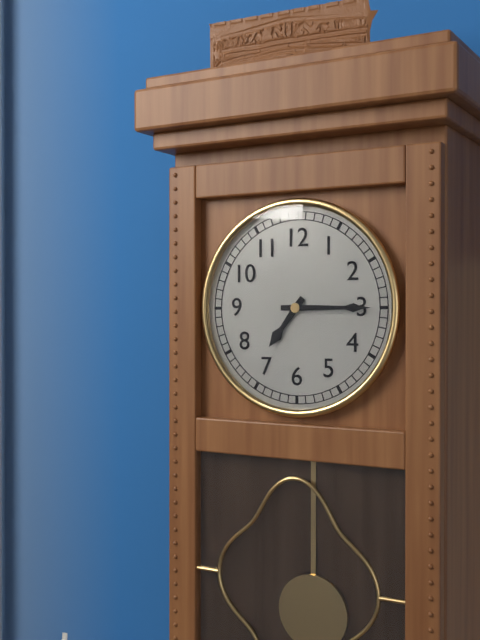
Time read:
7 h 15 min
